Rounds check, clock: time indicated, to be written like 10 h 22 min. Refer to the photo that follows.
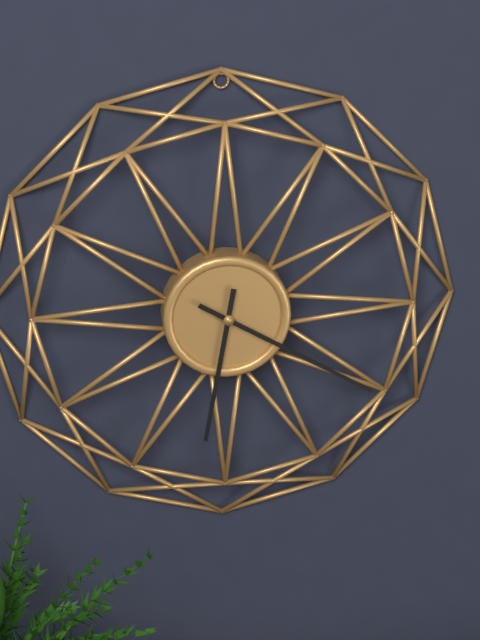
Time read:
6 h 20 min
